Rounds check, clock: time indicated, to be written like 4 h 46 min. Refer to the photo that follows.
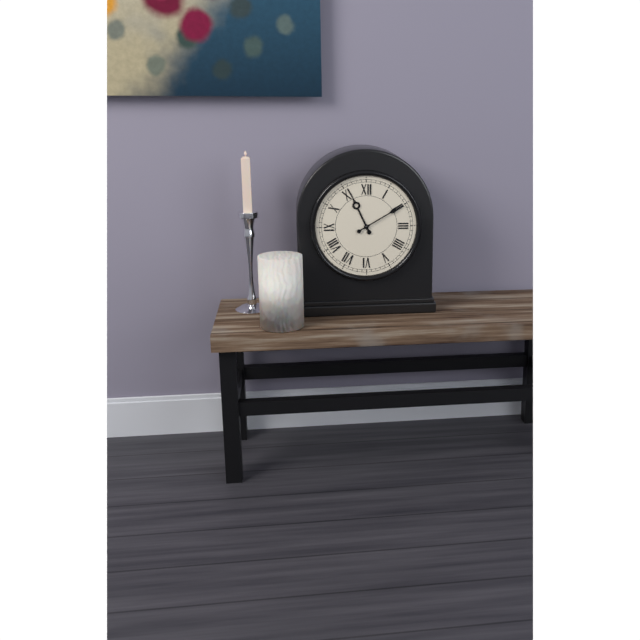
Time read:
11 h 10 min
